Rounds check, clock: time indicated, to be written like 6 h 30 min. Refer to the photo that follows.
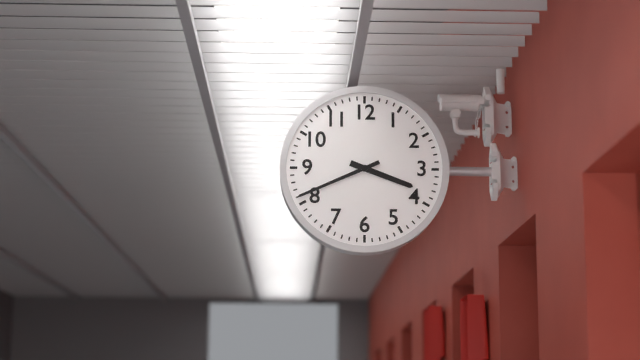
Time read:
3 h 41 min
